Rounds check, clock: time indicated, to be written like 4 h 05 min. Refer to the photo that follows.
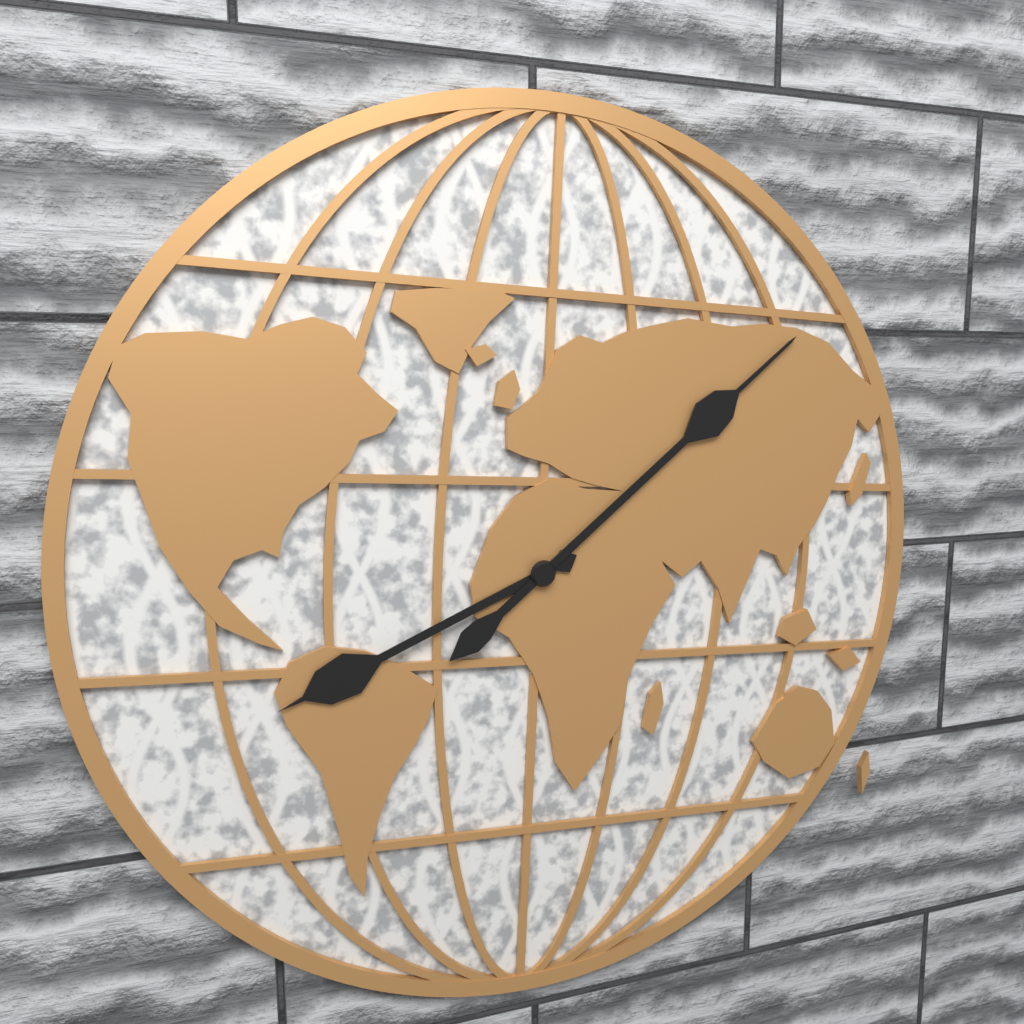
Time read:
8 h 08 min
